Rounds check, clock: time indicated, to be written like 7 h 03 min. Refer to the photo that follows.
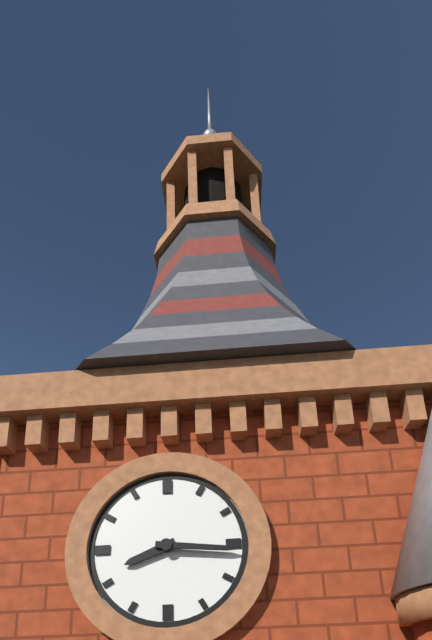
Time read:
8 h 16 min
